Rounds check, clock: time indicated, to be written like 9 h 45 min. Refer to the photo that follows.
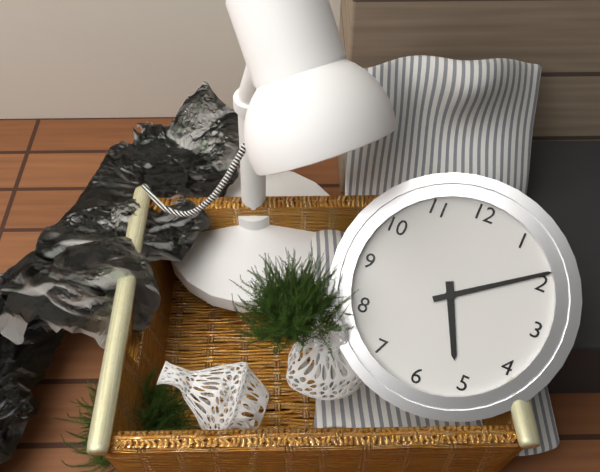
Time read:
5 h 09 min
